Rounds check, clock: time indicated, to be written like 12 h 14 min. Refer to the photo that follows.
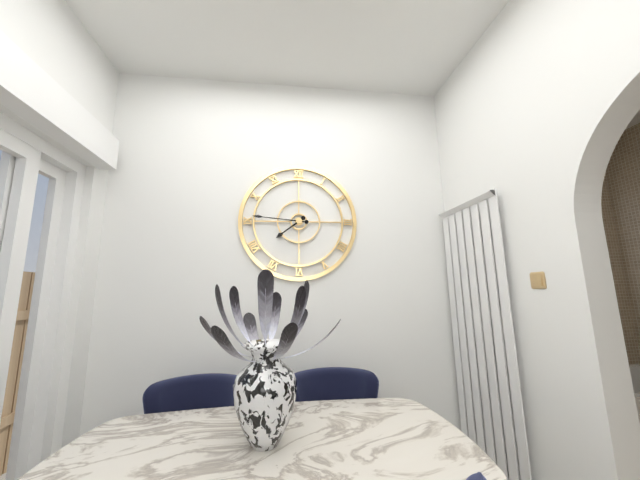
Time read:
7 h 46 min
